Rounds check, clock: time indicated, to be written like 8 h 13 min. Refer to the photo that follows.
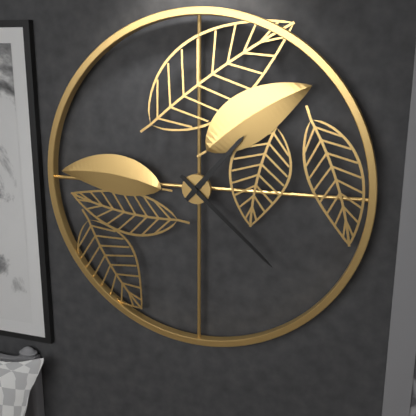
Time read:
1 h 22 min
